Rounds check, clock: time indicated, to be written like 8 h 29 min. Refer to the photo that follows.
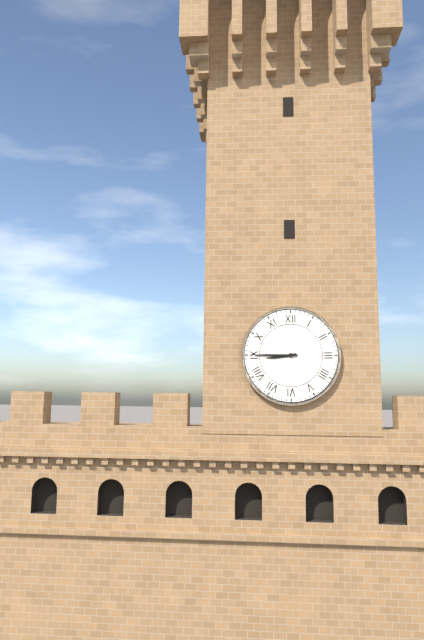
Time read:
8 h 45 min
